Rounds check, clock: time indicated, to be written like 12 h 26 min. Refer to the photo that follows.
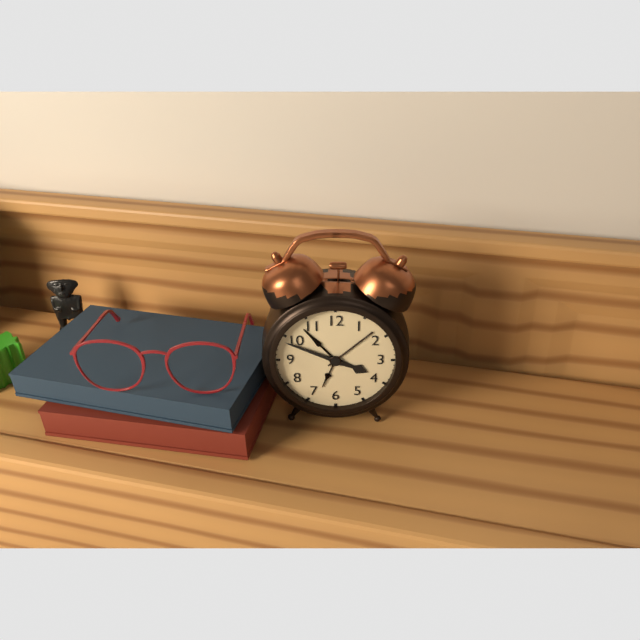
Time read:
3 h 49 min
